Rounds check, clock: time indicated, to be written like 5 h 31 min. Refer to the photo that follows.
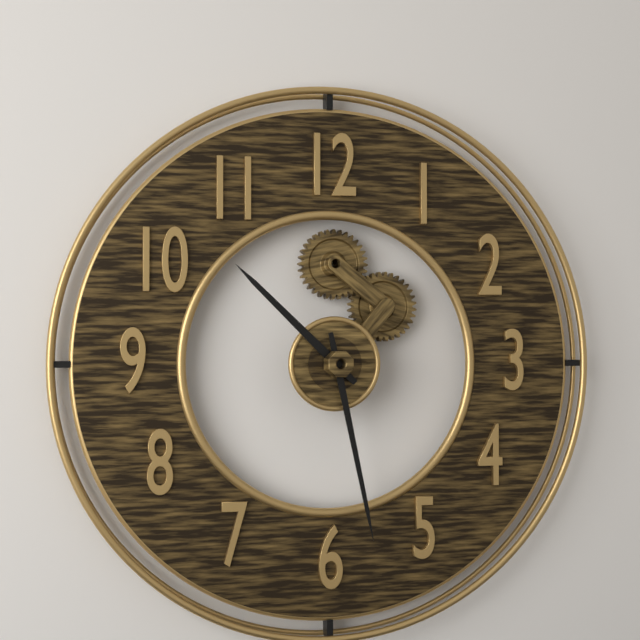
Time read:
10 h 28 min
